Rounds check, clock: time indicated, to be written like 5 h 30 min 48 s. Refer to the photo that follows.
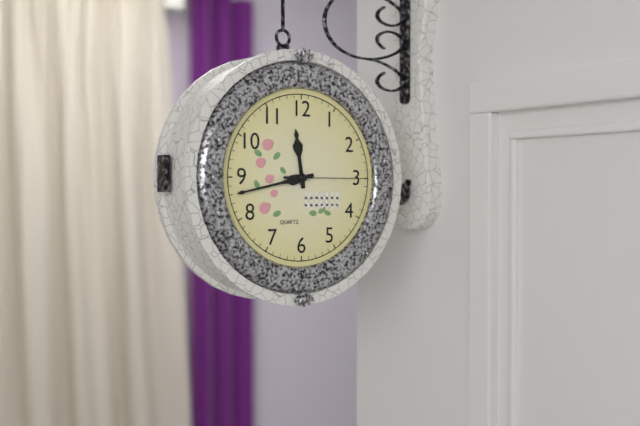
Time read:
11 h 43 min 15 s
